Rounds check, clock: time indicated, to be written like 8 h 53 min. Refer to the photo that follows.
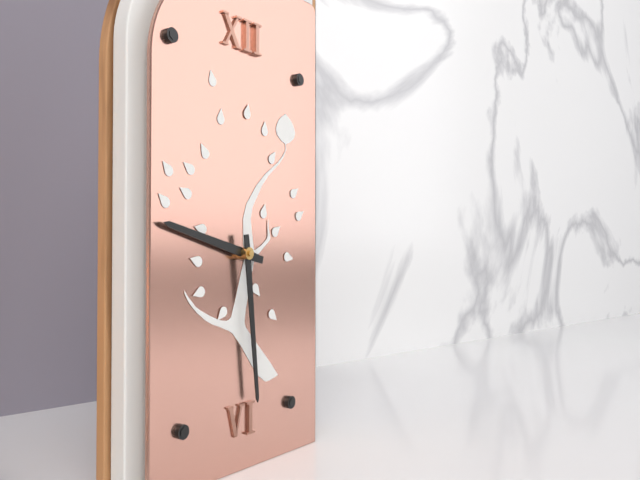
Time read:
9 h 29 min
